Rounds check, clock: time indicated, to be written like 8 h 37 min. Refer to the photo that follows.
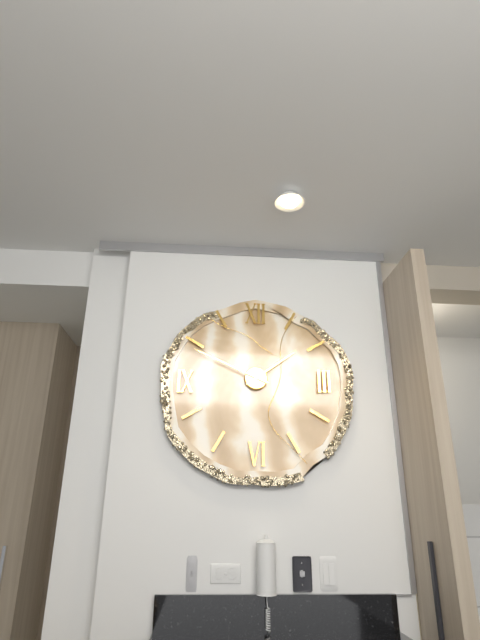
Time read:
1 h 49 min
